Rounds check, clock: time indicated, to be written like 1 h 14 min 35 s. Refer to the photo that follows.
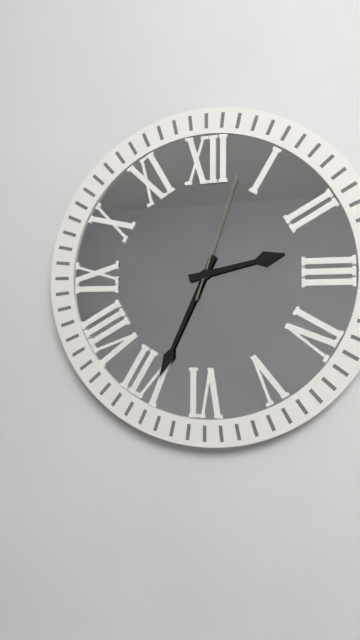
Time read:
2 h 34 min 03 s
